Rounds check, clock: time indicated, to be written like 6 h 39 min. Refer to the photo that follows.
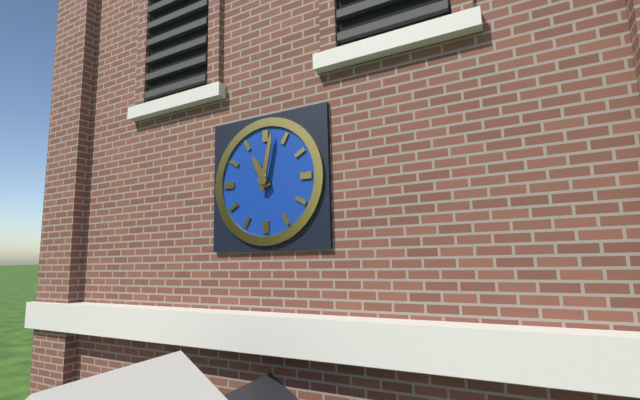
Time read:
11 h 02 min
